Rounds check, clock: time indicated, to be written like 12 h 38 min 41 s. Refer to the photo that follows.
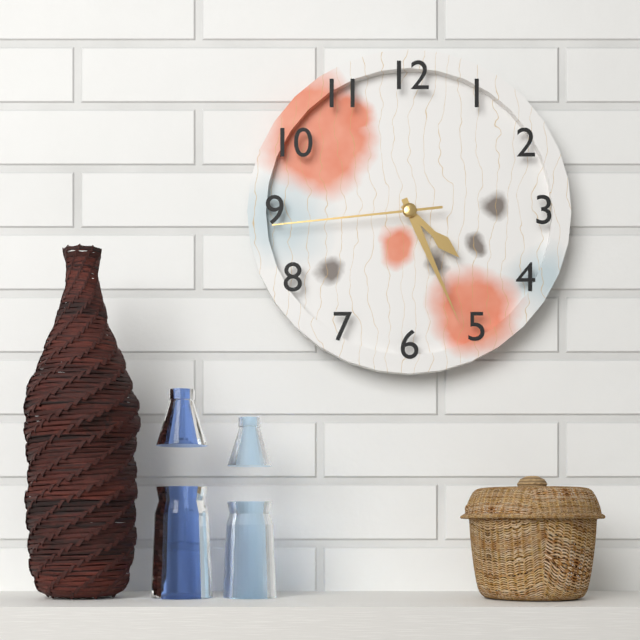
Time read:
4 h 26 min 44 s
